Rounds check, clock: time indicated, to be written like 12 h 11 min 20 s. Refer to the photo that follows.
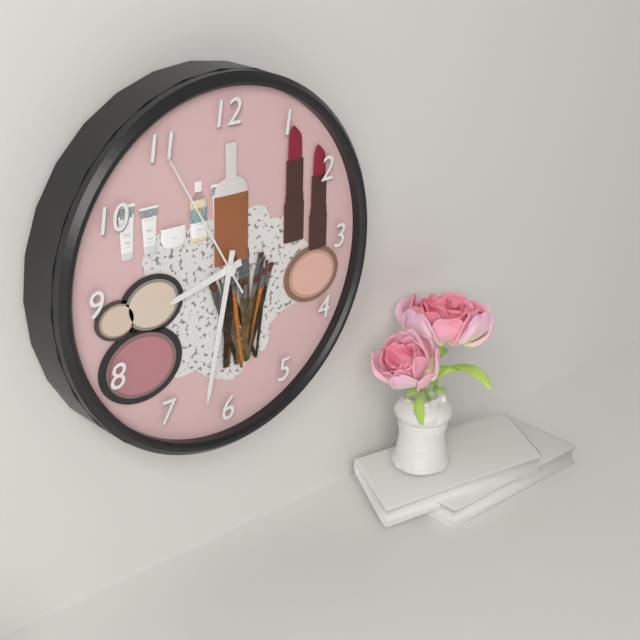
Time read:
8 h 32 min 55 s
